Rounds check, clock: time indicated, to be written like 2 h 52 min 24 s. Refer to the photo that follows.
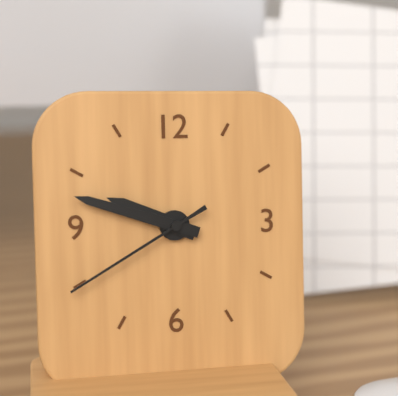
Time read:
9 h 48 min 40 s
